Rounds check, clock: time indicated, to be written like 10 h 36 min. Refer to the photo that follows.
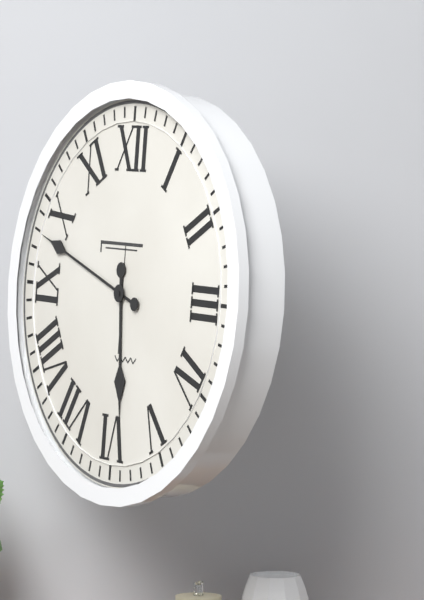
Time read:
5 h 48 min
